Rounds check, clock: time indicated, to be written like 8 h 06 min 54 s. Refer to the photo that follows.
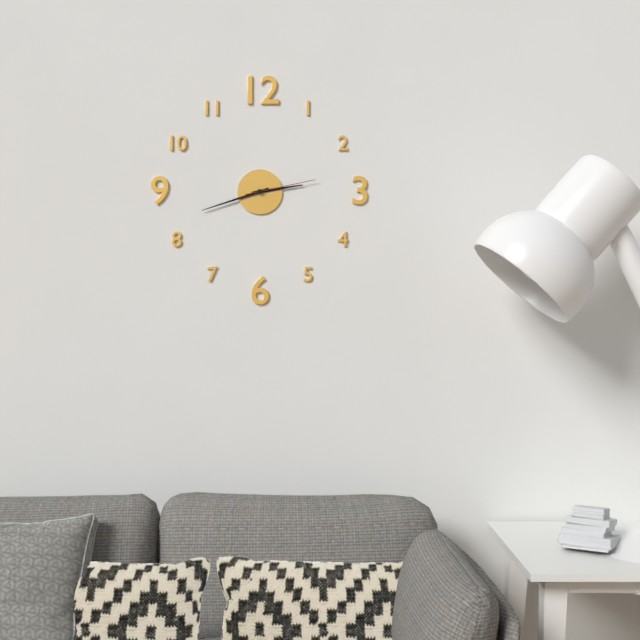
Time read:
2 h 42 min 13 s
